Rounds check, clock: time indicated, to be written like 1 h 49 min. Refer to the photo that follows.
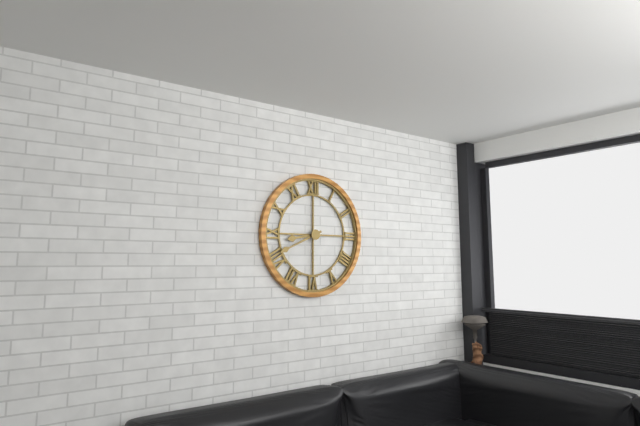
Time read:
8 h 41 min
